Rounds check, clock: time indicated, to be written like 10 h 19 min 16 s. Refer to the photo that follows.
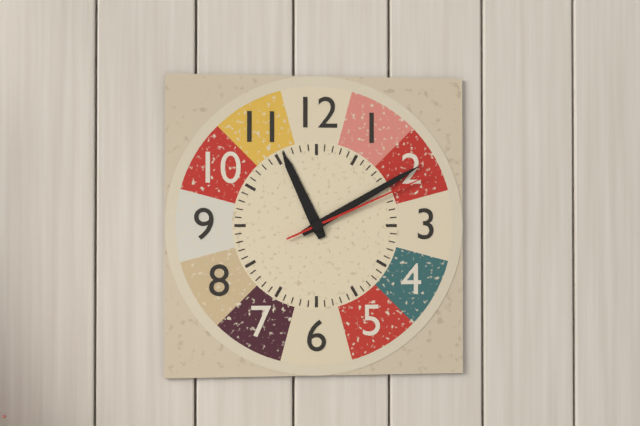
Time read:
11 h 10 min 11 s
